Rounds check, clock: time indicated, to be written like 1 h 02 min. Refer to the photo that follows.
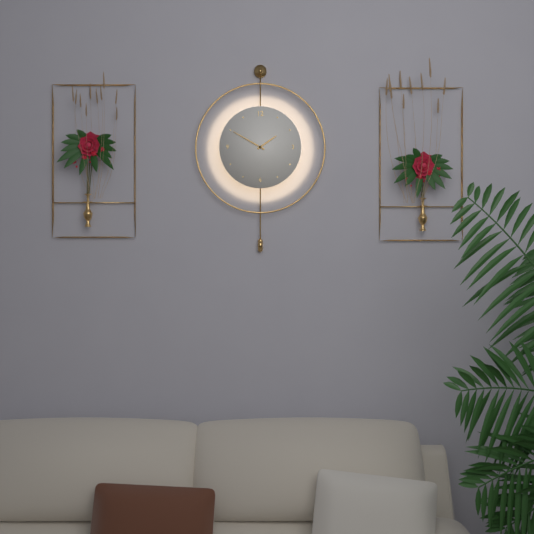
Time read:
1 h 50 min
